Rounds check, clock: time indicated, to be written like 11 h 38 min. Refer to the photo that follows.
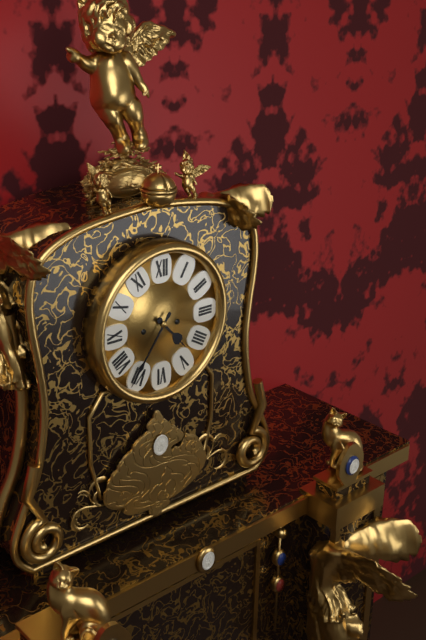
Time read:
4 h 36 min
